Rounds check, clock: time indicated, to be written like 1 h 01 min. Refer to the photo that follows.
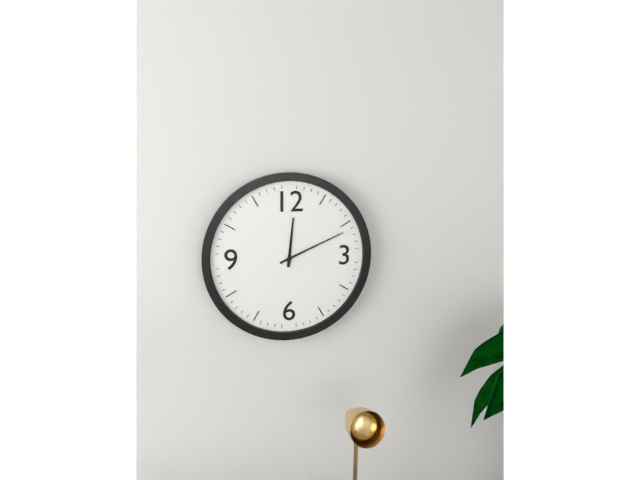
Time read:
12 h 11 min
